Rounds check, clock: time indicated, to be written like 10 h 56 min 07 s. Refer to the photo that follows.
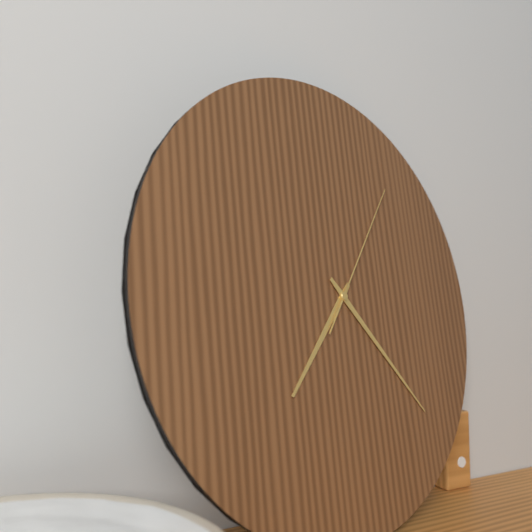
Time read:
7 h 23 min 06 s
